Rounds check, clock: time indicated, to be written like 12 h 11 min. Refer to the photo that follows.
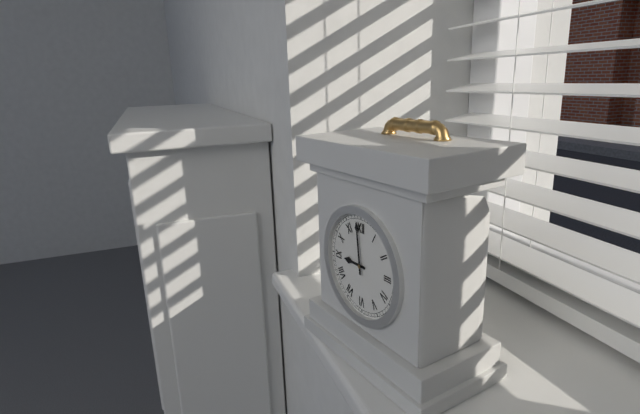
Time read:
8 h 59 min
